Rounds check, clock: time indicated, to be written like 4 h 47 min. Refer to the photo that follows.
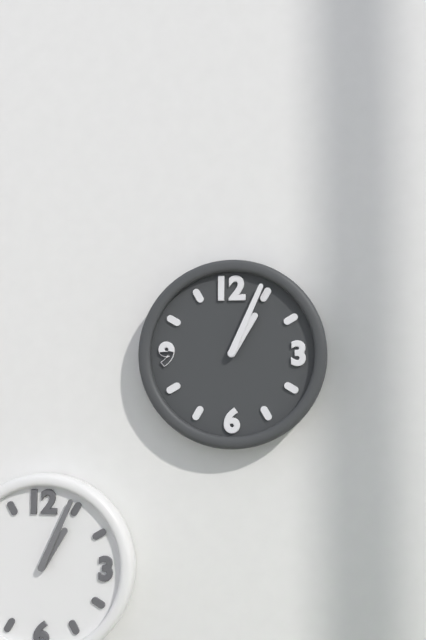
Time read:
1 h 04 min
